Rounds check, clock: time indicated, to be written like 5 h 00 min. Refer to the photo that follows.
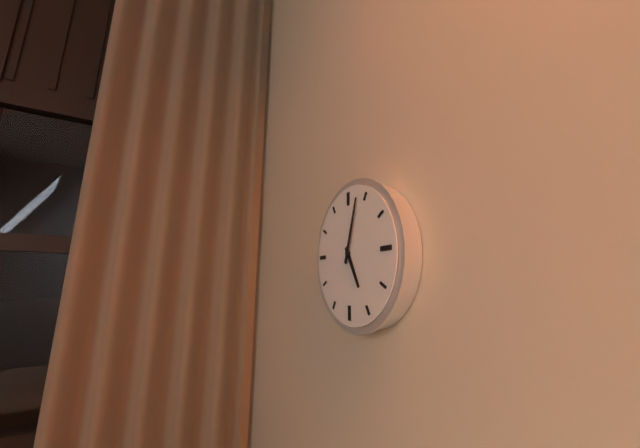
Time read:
5 h 03 min
